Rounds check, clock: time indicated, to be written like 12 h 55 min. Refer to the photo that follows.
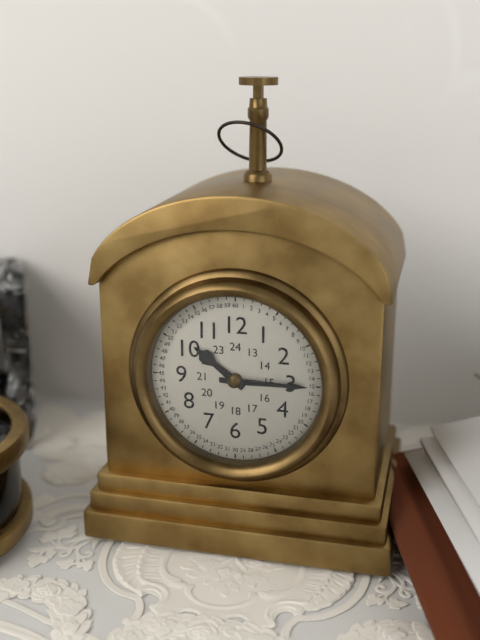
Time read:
10 h 15 min
